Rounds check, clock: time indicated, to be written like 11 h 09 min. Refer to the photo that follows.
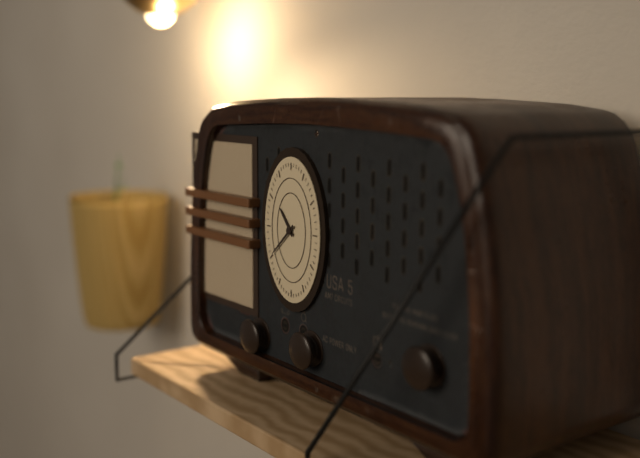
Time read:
10 h 38 min
